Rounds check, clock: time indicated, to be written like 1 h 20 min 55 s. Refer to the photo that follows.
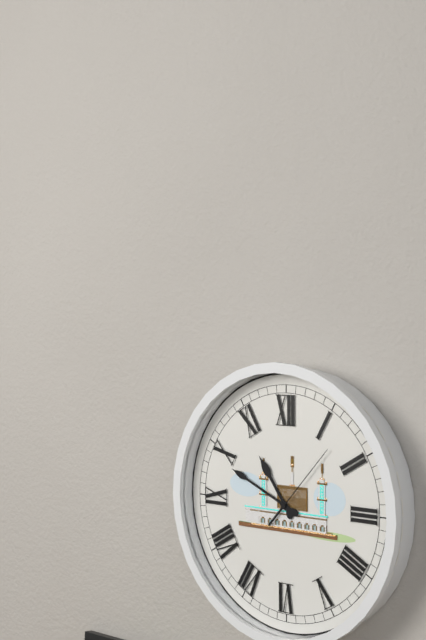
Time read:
10 h 49 min 07 s
